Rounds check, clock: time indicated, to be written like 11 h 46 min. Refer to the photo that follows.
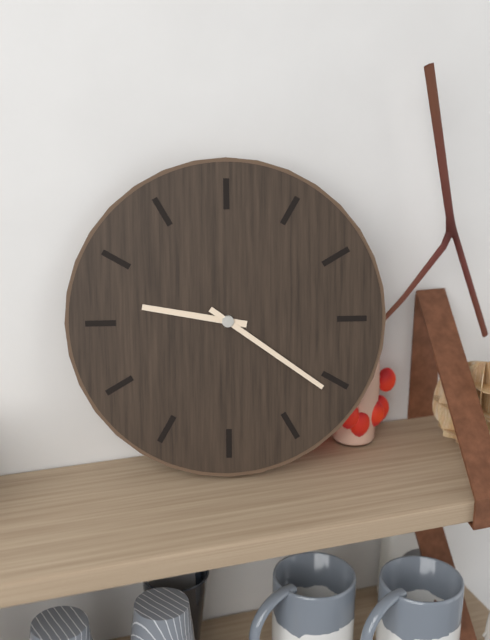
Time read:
9 h 21 min
